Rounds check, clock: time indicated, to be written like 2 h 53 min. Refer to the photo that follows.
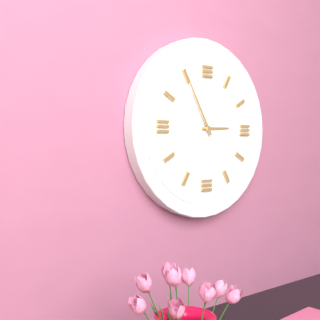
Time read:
2 h 55 min
